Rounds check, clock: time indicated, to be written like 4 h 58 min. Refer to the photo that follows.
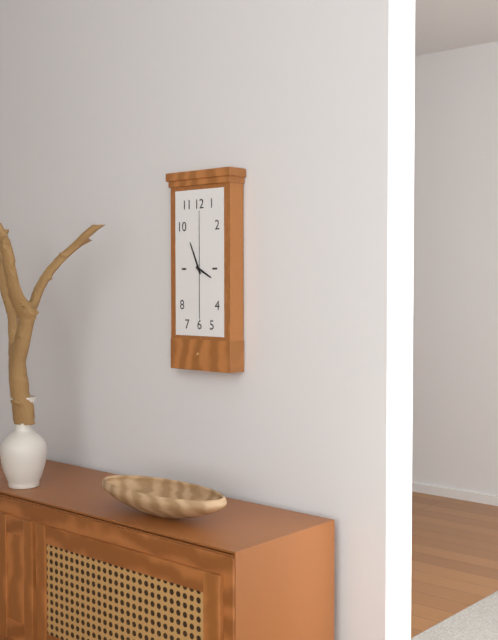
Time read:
3 h 56 min
